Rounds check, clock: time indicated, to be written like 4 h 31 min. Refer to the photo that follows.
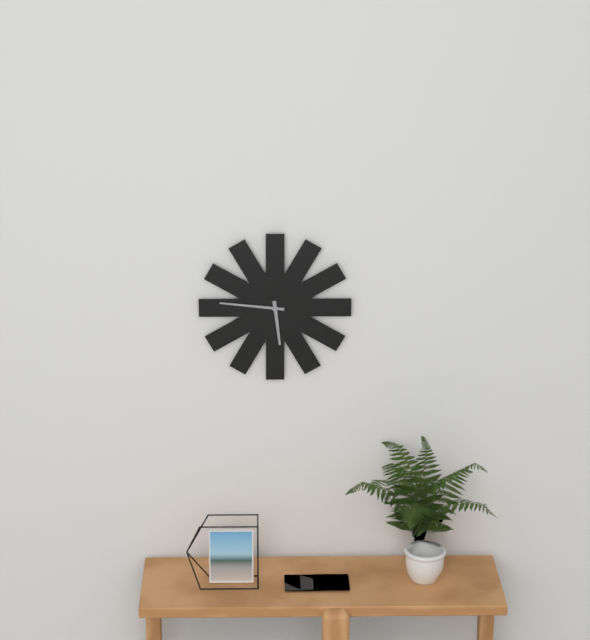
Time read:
5 h 46 min
